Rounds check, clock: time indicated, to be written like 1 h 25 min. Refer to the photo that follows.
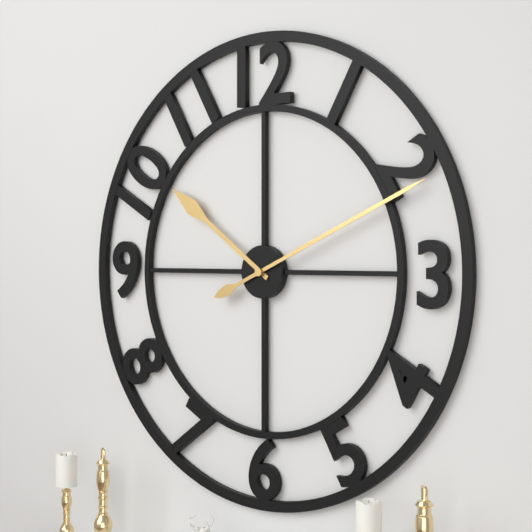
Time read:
10 h 11 min
